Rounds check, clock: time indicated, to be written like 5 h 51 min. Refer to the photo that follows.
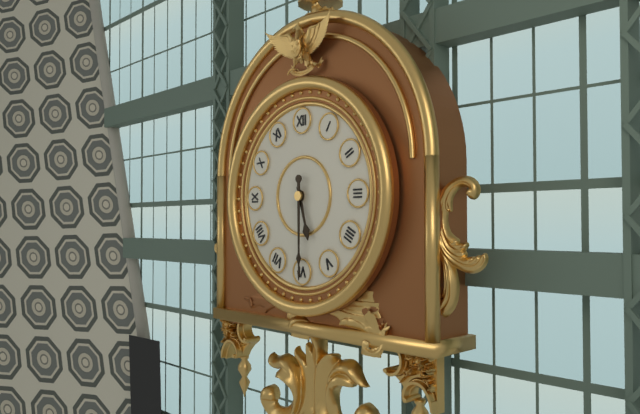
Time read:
5 h 30 min
